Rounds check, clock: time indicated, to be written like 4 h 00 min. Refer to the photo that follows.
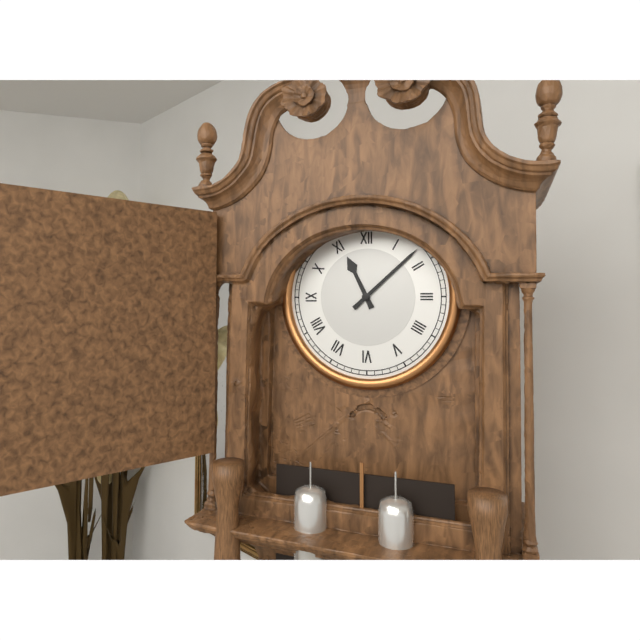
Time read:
11 h 08 min
